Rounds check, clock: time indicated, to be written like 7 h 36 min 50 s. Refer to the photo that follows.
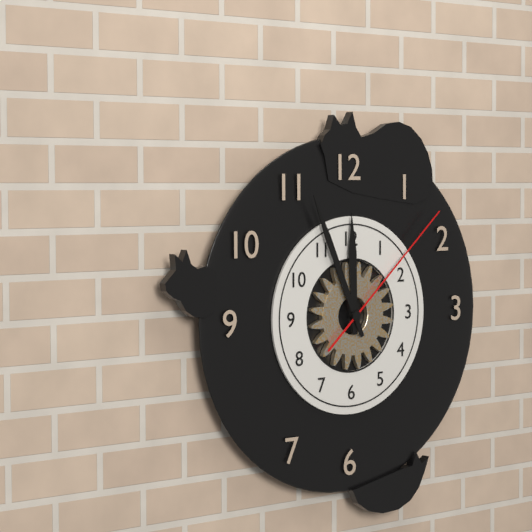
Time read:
11 h 56 min 08 s
